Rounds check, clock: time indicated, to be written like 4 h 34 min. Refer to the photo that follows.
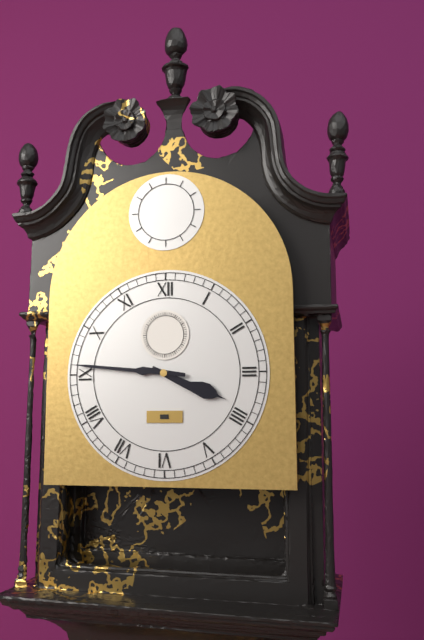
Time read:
3 h 46 min
